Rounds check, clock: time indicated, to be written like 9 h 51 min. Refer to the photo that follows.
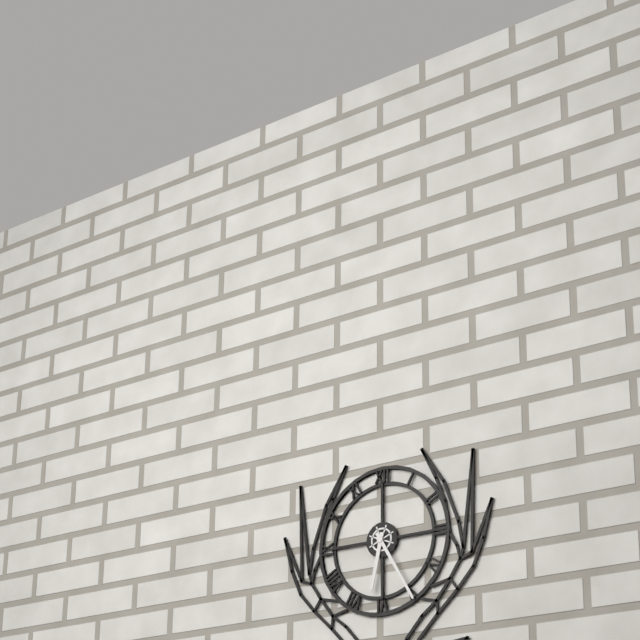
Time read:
6 h 25 min
